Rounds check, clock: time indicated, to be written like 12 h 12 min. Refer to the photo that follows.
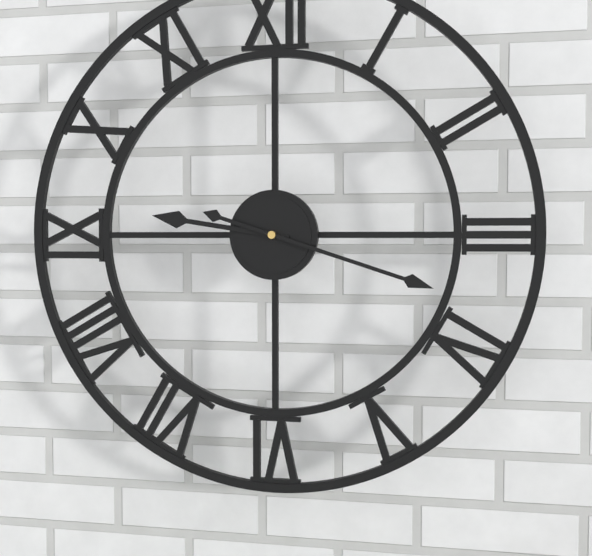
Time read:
9 h 18 min
